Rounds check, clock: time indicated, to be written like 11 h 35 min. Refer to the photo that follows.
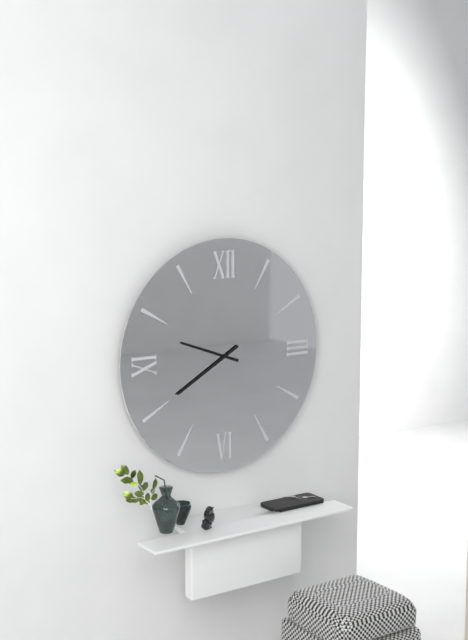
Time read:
9 h 40 min
